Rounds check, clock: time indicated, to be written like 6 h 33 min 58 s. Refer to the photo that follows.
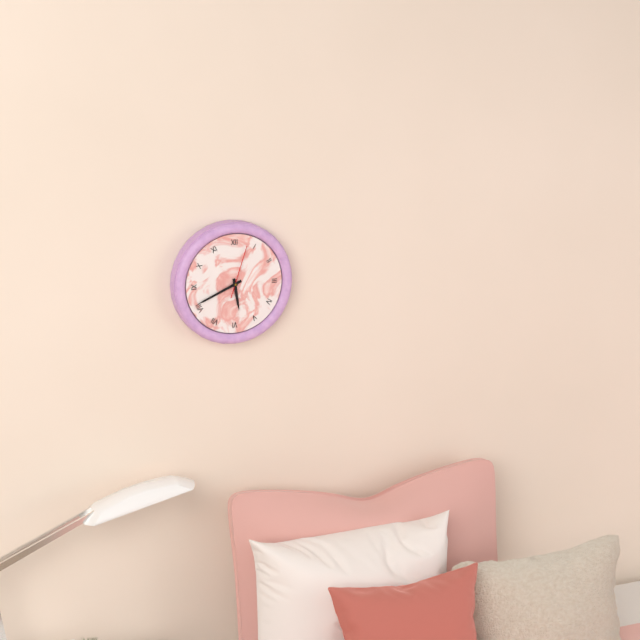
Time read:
5 h 41 min 03 s
